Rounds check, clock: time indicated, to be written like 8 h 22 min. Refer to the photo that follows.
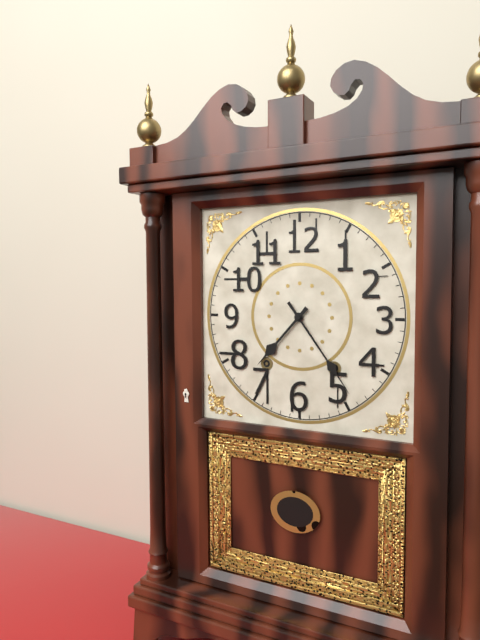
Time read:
7 h 24 min
